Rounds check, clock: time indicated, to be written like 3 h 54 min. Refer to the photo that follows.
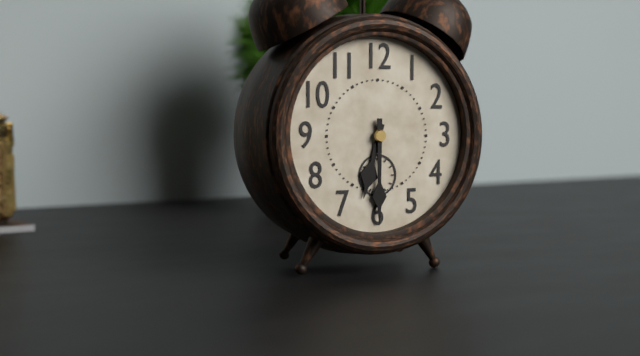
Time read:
6 h 30 min
